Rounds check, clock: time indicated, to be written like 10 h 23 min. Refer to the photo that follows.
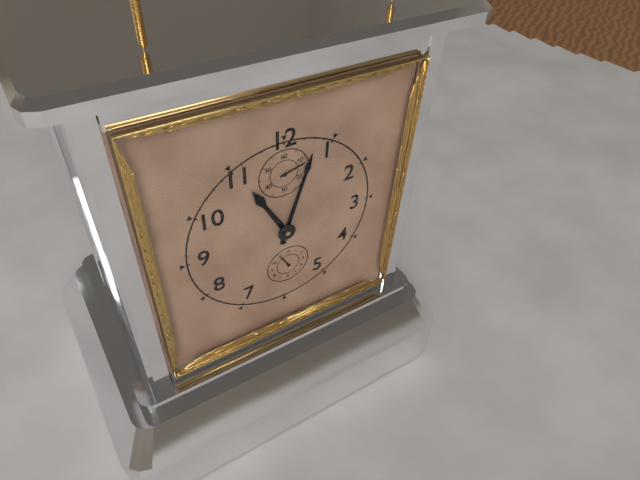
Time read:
11 h 03 min
